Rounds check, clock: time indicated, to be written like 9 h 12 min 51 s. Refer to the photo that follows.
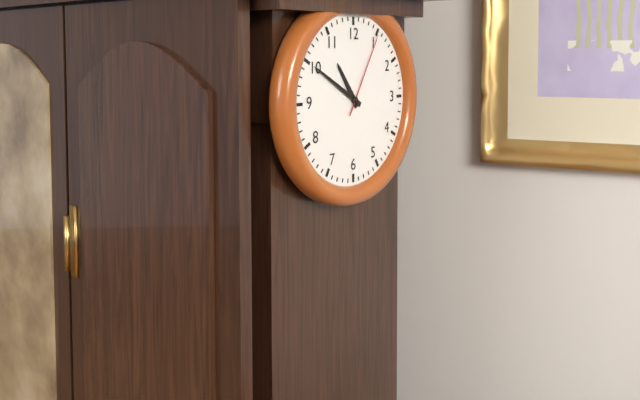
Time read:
10 h 50 min 05 s
